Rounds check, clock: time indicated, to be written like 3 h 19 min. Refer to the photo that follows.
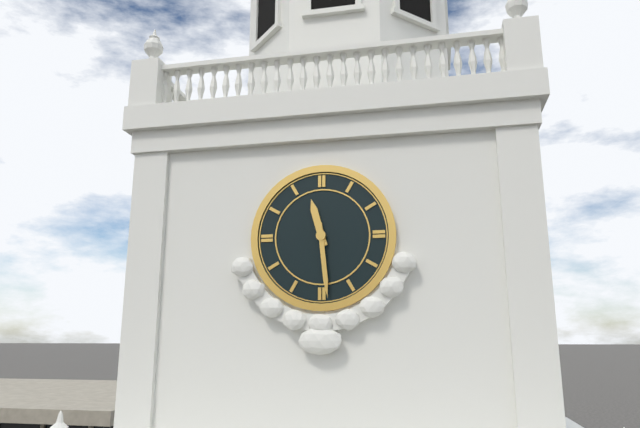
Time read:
11 h 29 min
